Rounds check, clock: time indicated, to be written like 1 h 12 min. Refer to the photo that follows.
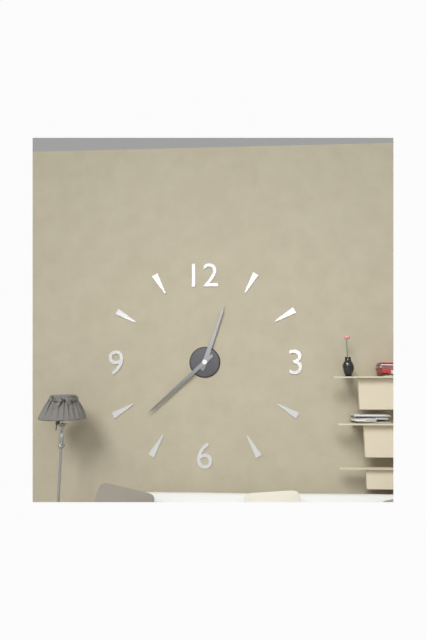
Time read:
12 h 38 min
